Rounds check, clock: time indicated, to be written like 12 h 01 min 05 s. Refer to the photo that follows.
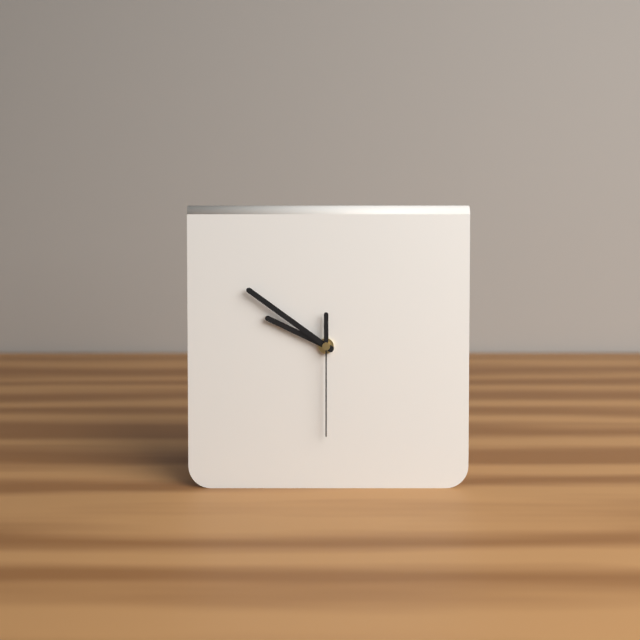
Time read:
9 h 51 min 30 s
